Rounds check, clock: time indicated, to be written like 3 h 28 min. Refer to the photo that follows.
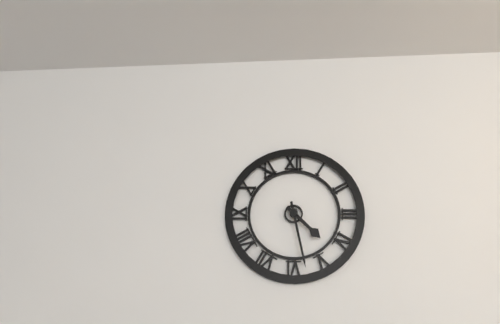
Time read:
4 h 28 min
